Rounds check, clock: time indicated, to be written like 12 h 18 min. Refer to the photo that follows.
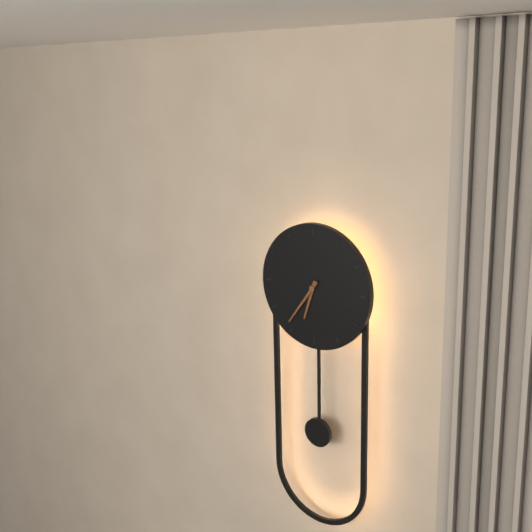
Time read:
6 h 36 min
